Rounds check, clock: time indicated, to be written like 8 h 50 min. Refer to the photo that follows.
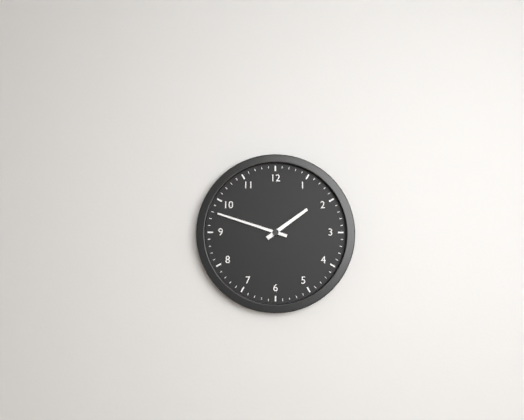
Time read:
1 h 48 min
